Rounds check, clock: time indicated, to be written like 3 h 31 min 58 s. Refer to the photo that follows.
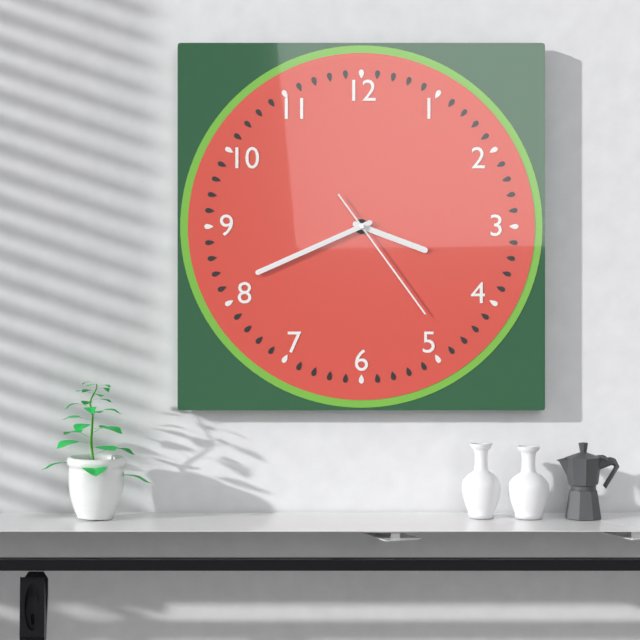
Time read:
3 h 41 min 24 s
